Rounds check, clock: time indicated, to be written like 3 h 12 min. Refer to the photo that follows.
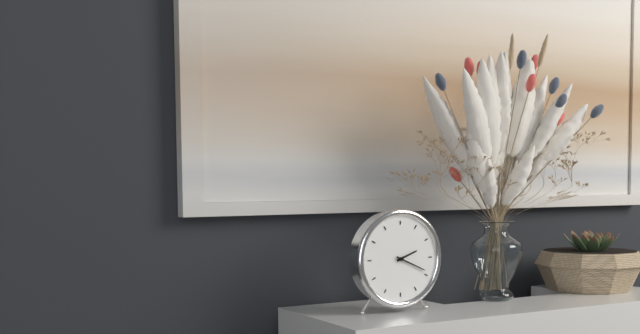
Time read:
2 h 19 min
